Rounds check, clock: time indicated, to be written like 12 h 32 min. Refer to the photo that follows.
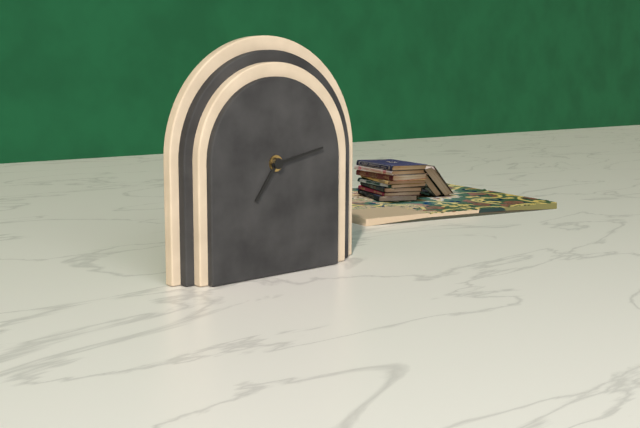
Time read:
7 h 13 min
